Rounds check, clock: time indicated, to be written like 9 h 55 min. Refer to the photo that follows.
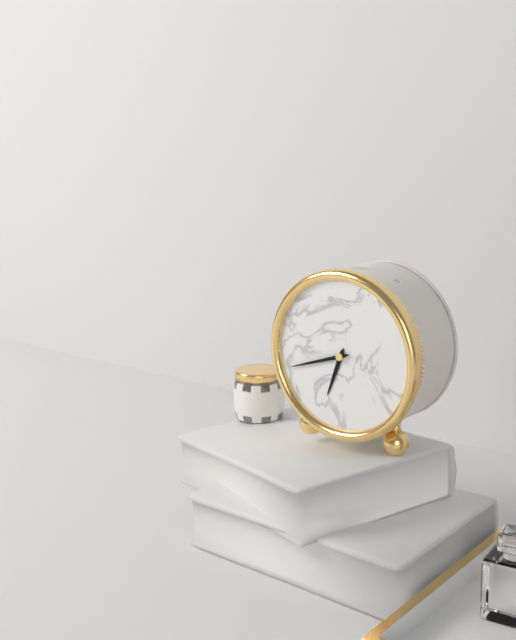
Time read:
6 h 42 min
